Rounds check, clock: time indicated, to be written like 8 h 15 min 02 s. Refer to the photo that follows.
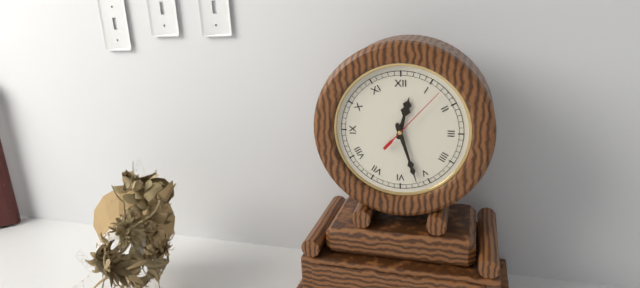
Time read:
12 h 27 min 07 s
